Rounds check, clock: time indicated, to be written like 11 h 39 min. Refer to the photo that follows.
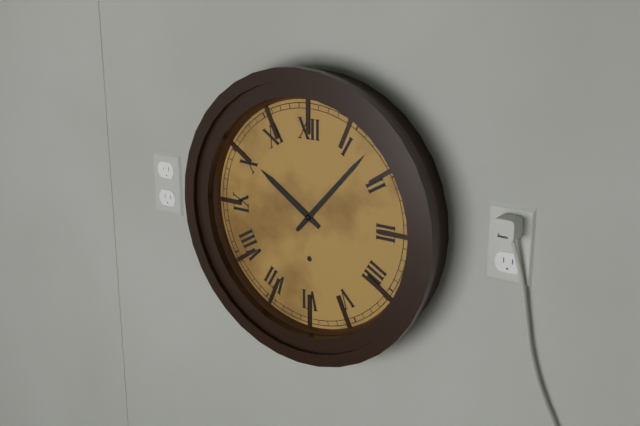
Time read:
10 h 07 min
